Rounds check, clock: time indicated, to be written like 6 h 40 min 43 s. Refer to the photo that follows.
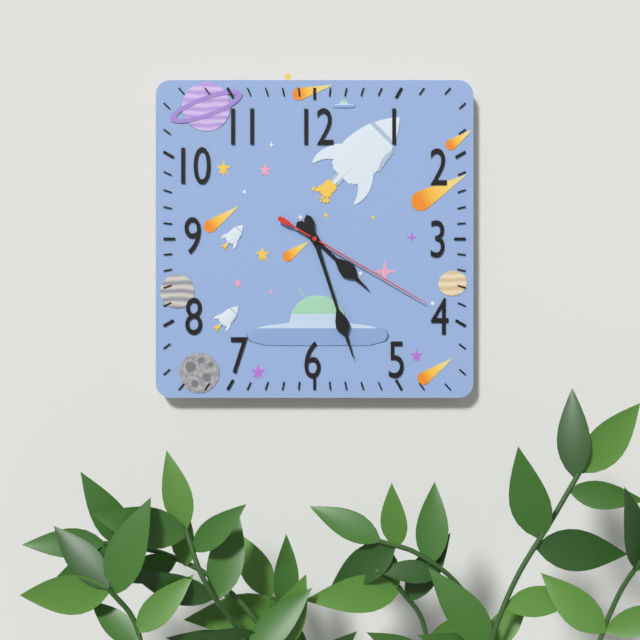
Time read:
4 h 27 min 20 s
